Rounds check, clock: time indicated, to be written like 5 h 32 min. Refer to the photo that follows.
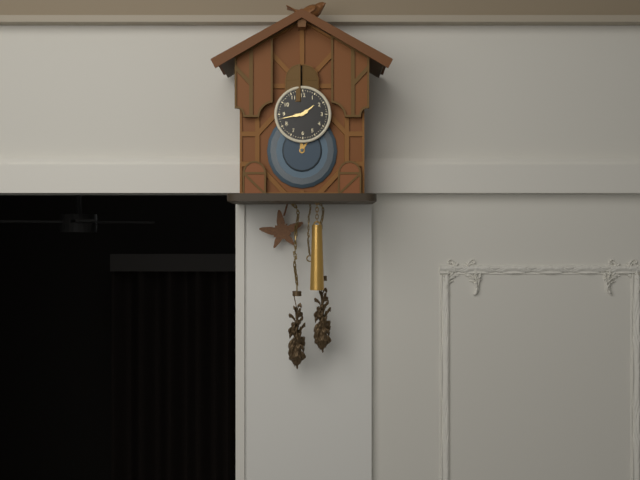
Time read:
1 h 43 min
